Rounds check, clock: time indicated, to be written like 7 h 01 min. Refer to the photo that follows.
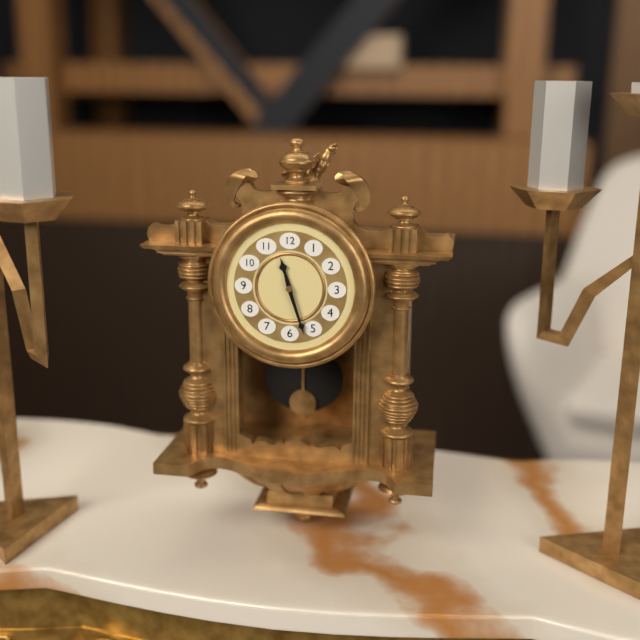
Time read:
11 h 27 min
